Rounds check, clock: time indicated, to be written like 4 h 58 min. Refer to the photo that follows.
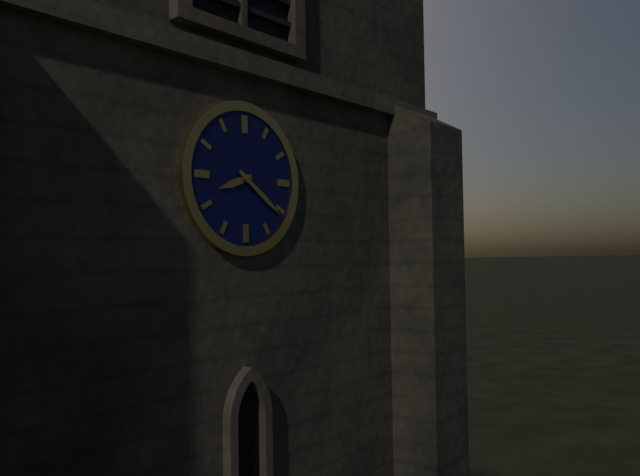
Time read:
8 h 21 min
